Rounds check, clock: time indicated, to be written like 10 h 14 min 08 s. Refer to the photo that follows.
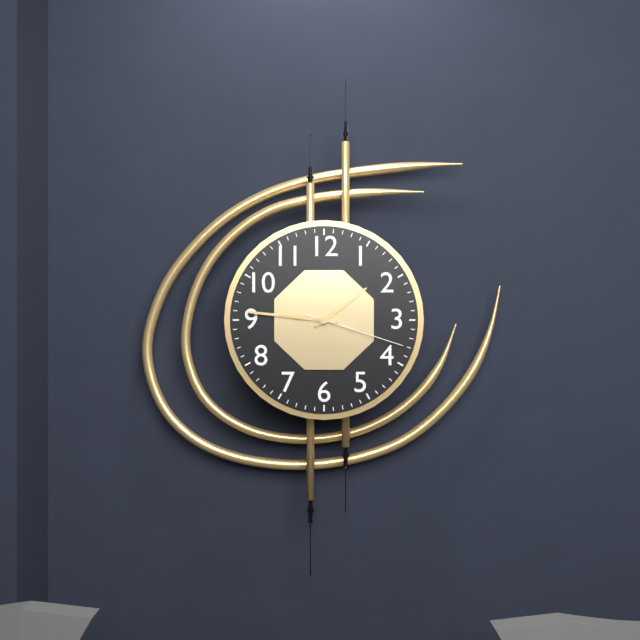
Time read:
1 h 46 min 18 s
